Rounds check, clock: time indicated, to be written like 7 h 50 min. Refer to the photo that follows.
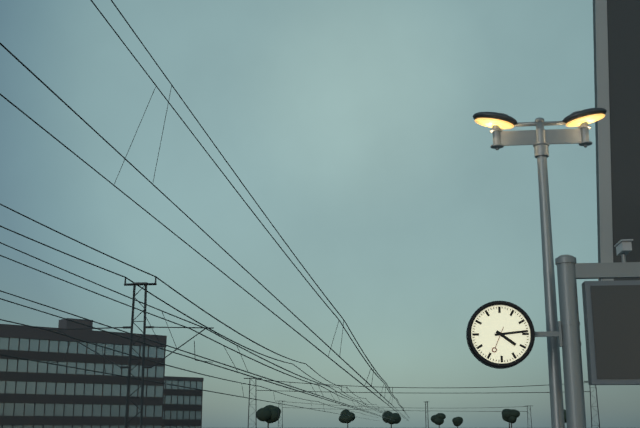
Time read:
4 h 14 min
